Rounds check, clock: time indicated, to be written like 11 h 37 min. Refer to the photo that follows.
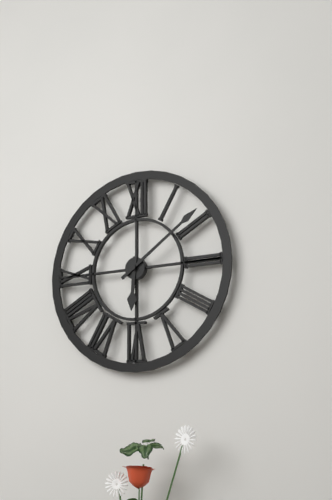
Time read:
6 h 09 min
